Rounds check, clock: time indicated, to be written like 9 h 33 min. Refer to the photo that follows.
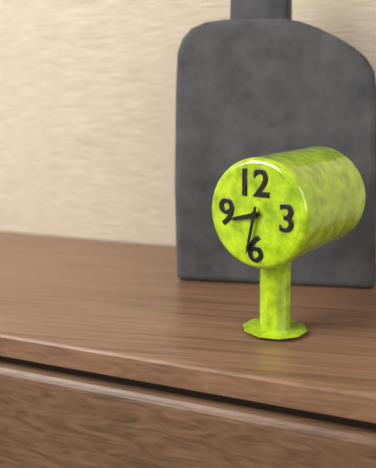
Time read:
8 h 32 min
